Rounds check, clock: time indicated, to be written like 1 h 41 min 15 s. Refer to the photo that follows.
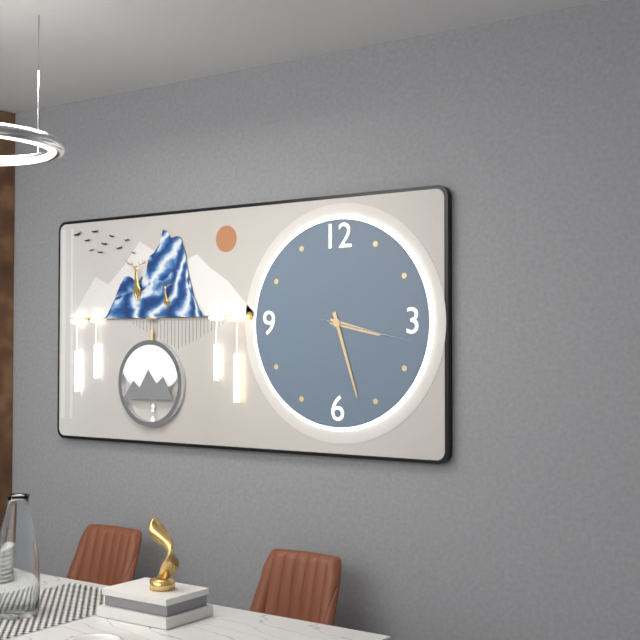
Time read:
3 h 27 min 17 s
